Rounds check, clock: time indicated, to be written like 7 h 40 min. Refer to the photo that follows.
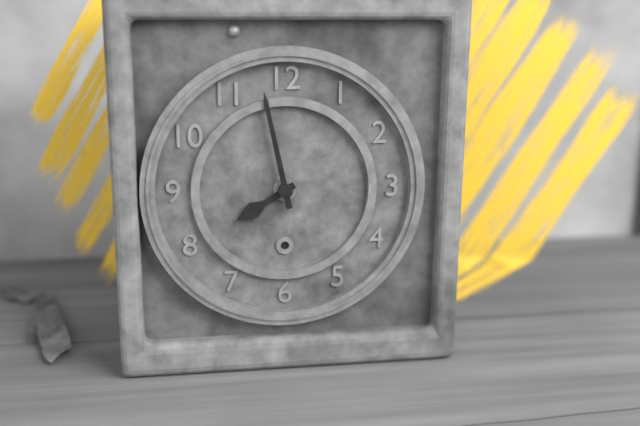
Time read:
7 h 58 min
